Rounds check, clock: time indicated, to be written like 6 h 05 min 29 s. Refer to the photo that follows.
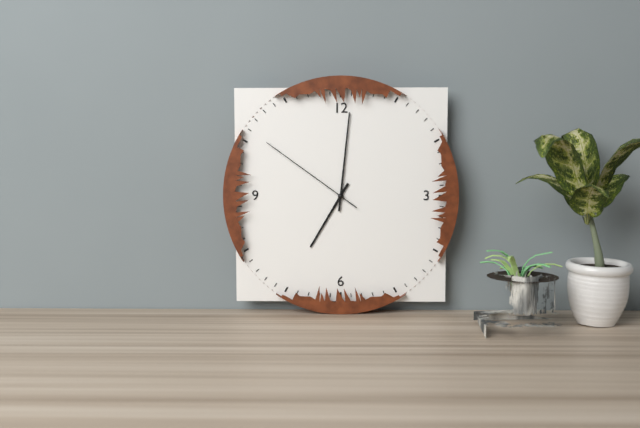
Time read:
7 h 01 min 51 s
